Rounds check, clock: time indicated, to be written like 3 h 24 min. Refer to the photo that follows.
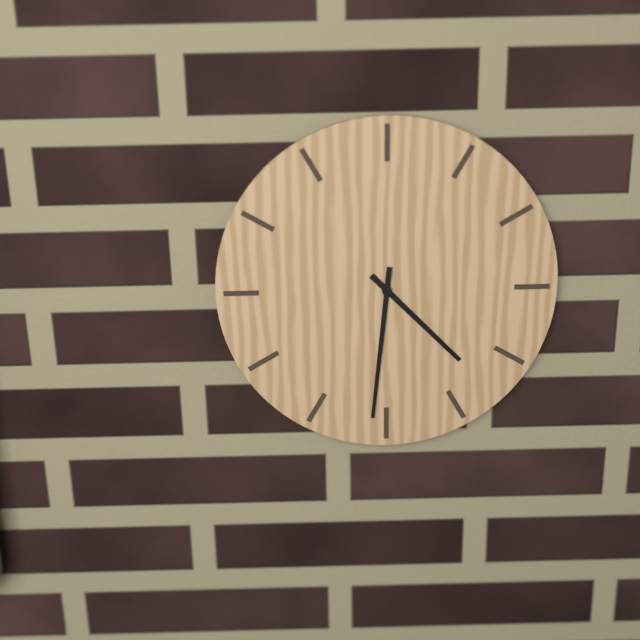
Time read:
4 h 31 min
